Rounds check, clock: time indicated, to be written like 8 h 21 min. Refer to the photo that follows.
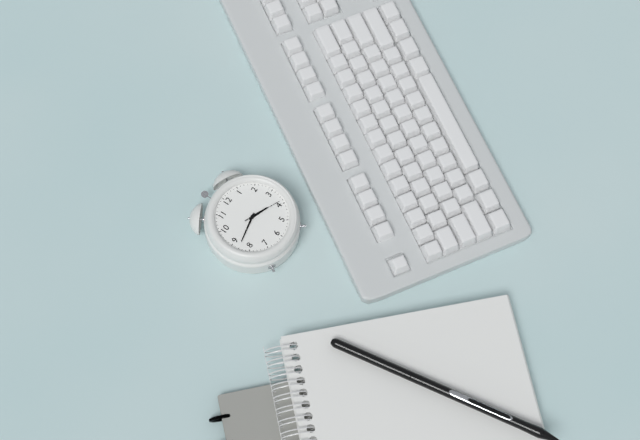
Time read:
3 h 43 min
